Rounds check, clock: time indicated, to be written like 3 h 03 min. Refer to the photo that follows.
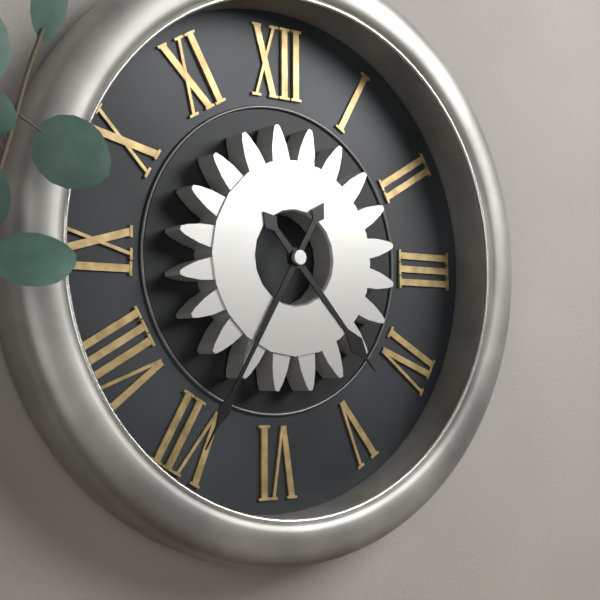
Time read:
4 h 35 min
